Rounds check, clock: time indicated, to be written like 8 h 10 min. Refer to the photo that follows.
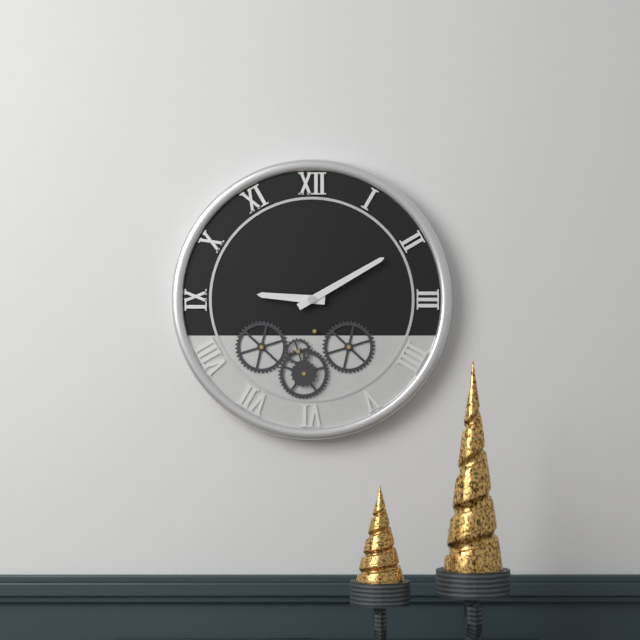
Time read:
9 h 10 min
